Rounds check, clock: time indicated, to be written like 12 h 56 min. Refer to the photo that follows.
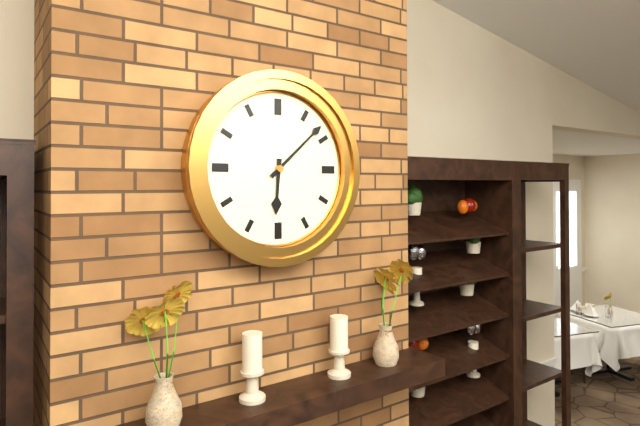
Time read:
6 h 08 min
